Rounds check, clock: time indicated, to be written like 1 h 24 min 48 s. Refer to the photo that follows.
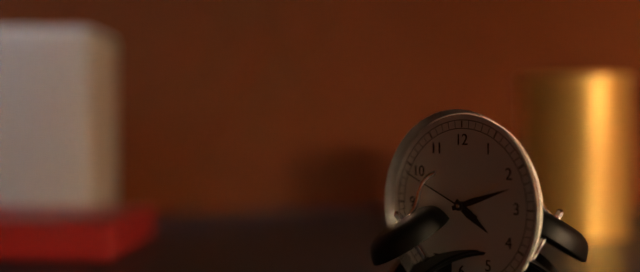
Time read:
4 h 12 min 49 s
